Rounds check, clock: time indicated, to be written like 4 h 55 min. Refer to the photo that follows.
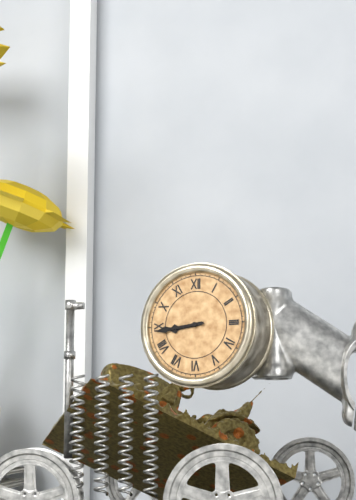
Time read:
8 h 44 min
